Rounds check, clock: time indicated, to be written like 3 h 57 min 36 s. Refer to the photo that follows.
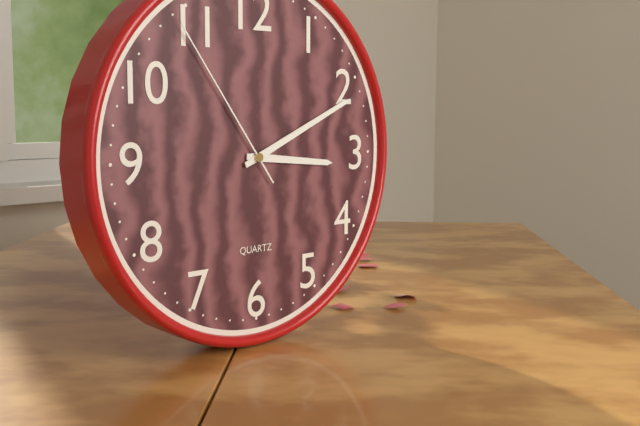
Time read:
3 h 11 min 54 s
